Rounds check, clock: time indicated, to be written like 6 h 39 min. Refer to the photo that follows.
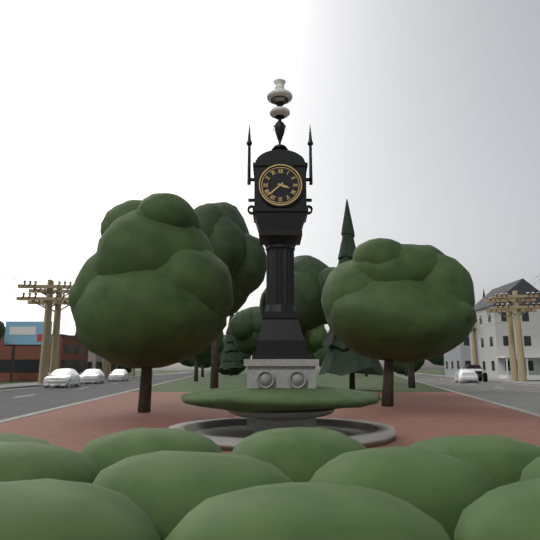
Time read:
3 h 38 min
